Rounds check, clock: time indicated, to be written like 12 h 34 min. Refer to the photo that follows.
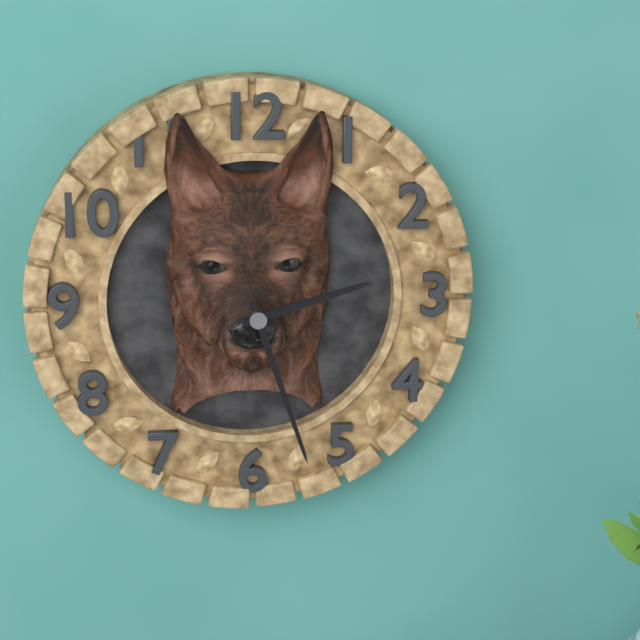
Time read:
2 h 27 min
